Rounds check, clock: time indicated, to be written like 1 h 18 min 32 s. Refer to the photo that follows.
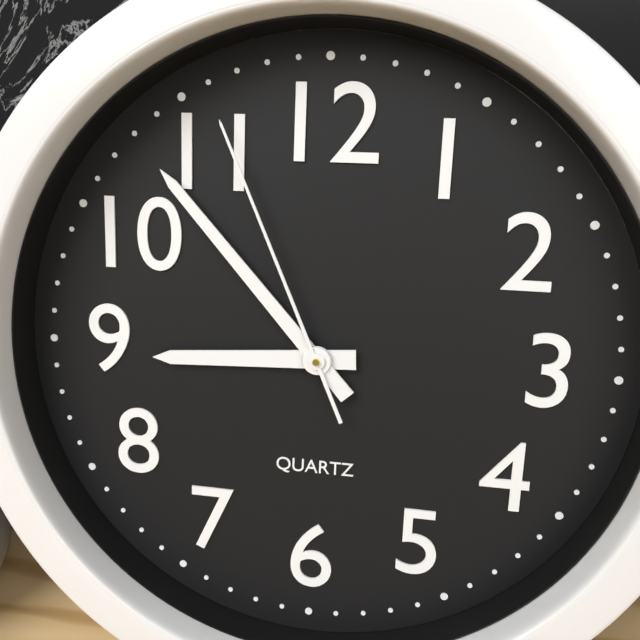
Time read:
8 h 53 min 56 s
